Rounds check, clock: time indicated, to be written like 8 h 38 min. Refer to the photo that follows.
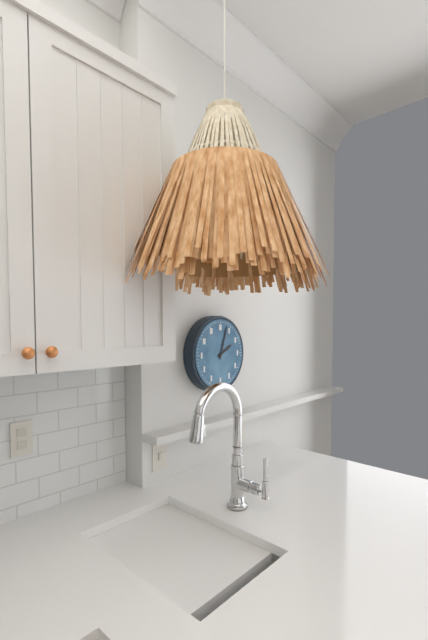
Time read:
2 h 03 min
